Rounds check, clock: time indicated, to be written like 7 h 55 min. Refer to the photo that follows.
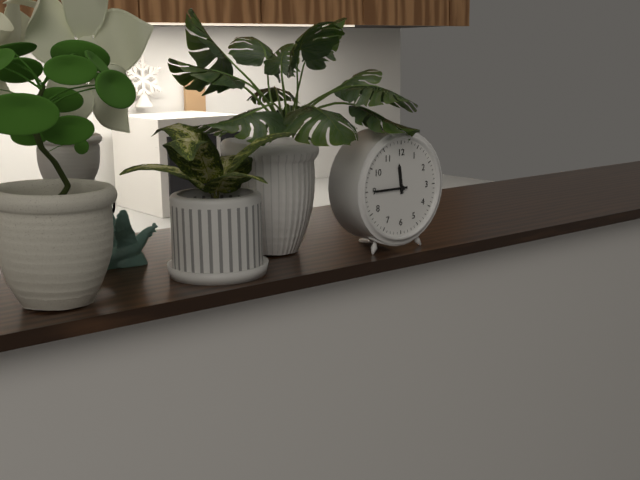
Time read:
11 h 45 min
